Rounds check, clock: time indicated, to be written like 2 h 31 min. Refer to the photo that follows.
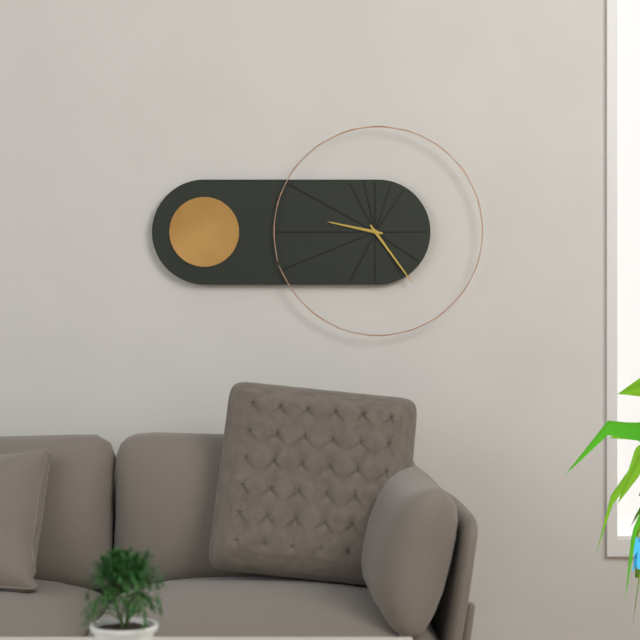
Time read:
9 h 24 min
